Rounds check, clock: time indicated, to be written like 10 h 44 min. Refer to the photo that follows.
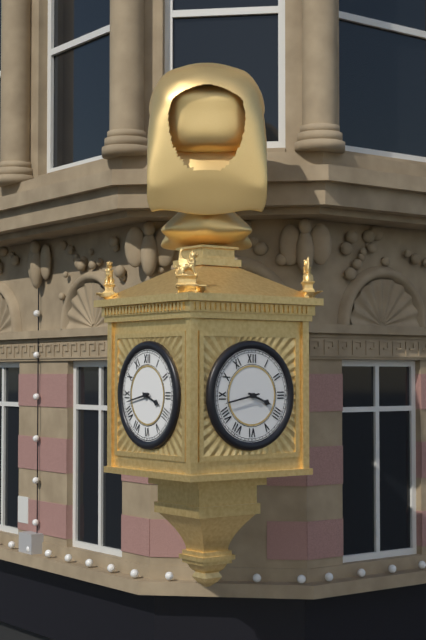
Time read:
3 h 43 min
